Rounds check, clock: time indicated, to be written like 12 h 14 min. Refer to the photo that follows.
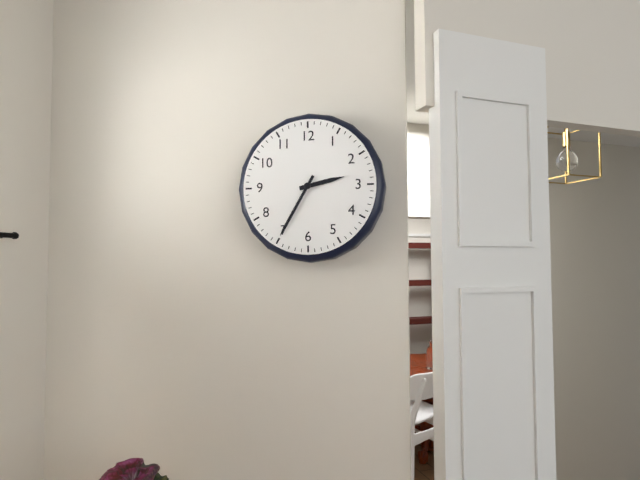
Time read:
2 h 35 min
